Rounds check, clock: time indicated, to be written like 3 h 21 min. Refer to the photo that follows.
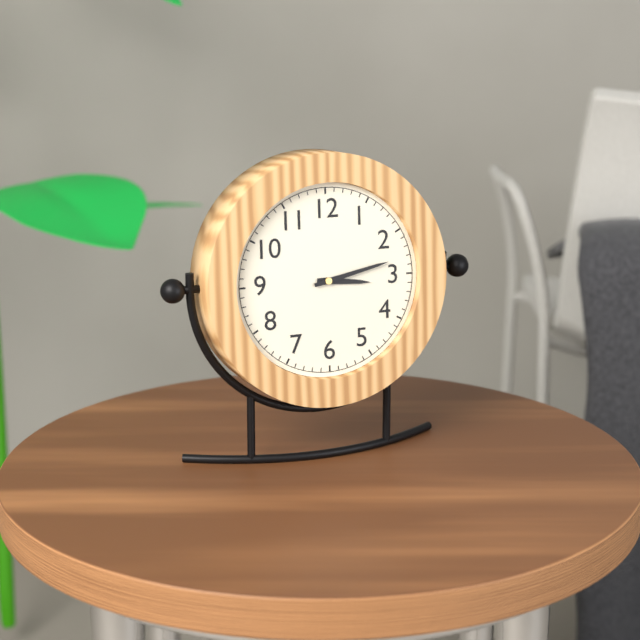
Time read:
3 h 13 min
